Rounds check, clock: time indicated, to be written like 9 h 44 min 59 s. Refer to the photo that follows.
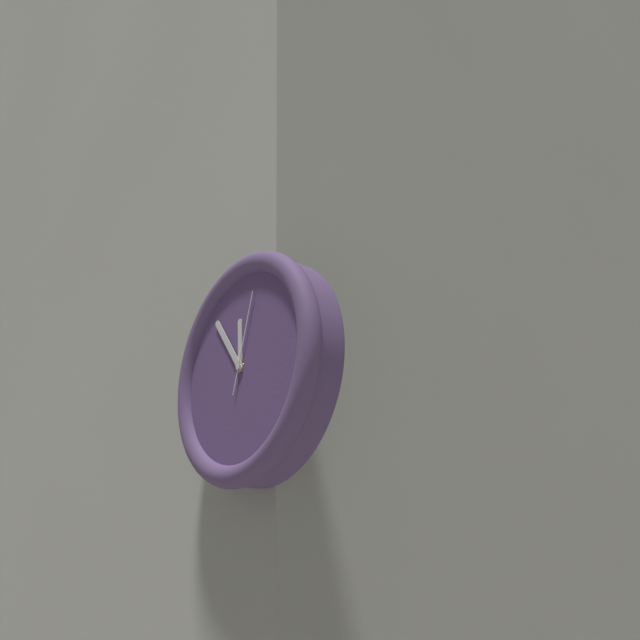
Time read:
11 h 54 min 03 s
